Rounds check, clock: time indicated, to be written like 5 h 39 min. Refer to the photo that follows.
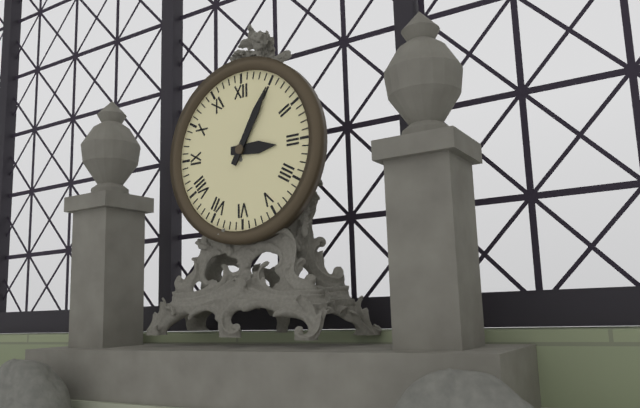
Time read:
3 h 05 min
